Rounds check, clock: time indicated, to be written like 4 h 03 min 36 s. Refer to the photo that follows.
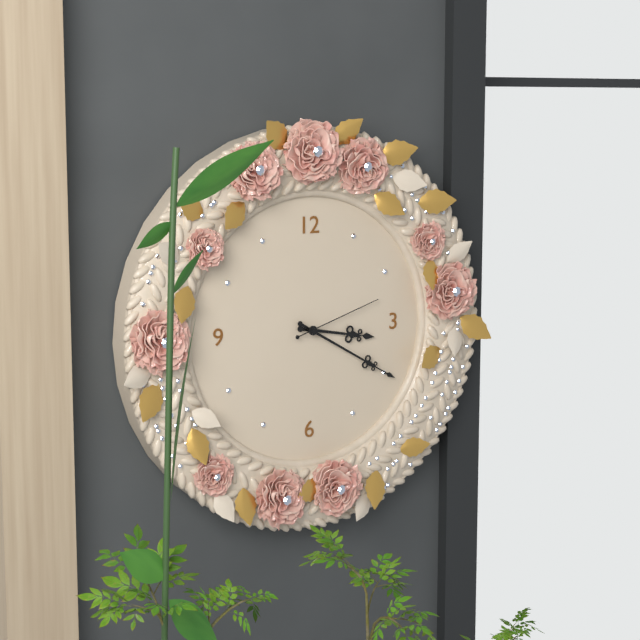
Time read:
3 h 20 min 12 s
